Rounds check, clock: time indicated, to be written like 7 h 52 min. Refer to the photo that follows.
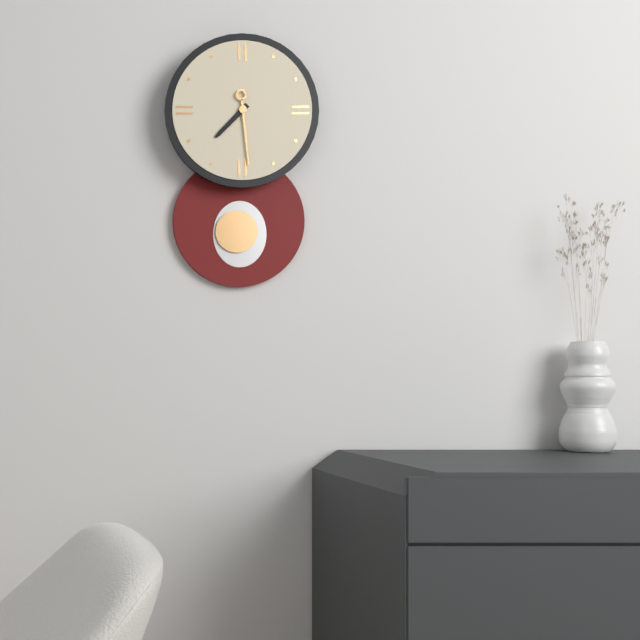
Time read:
7 h 29 min
